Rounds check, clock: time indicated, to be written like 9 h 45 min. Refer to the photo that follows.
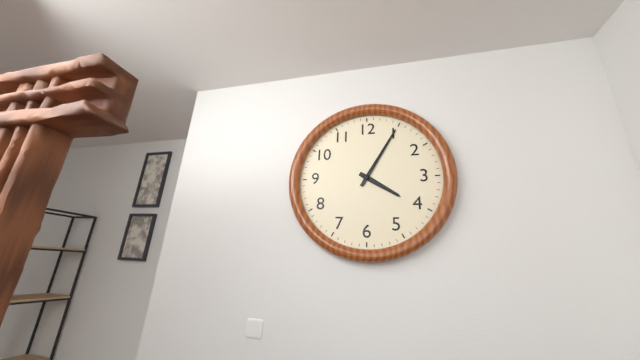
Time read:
4 h 05 min
